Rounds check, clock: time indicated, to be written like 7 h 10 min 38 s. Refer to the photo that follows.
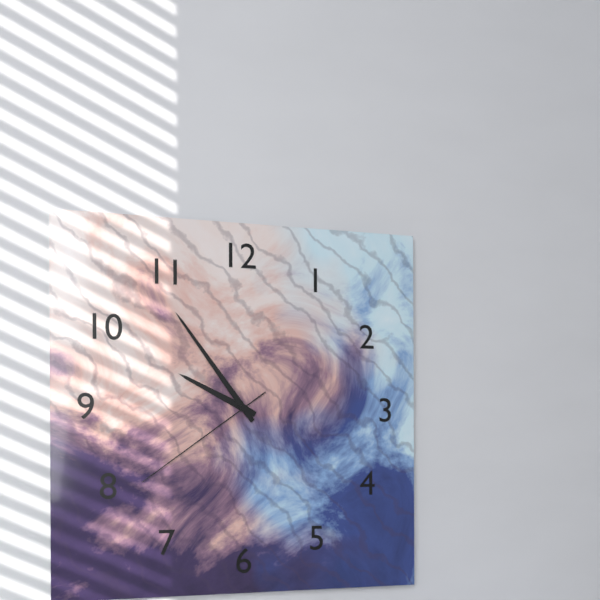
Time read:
9 h 54 min 39 s
